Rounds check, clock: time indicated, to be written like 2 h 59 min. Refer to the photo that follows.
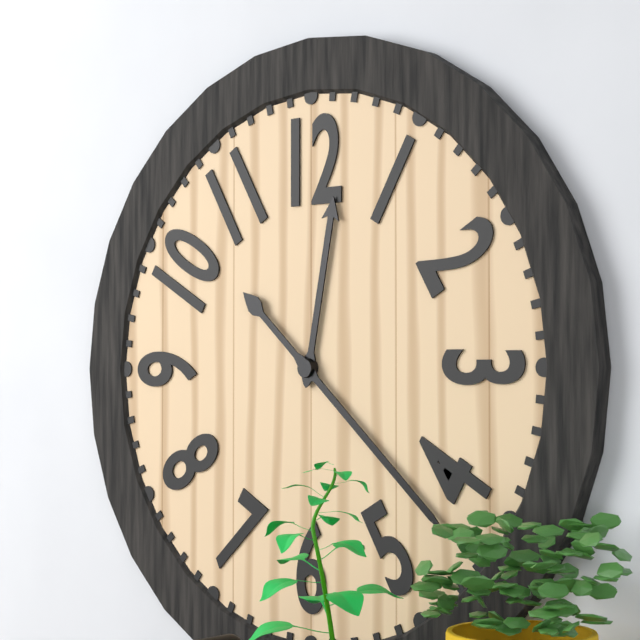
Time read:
12 h 22 min
